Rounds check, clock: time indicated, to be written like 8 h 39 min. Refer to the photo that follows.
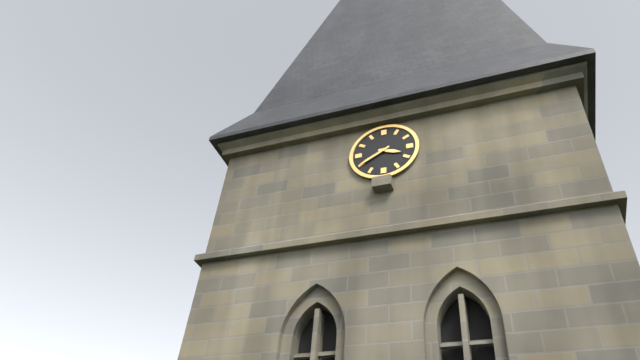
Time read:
3 h 40 min
